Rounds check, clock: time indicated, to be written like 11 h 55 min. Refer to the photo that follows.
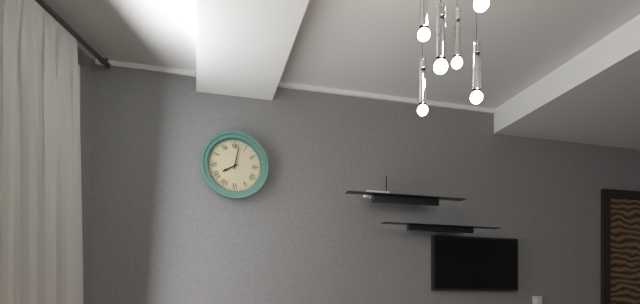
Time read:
8 h 02 min
